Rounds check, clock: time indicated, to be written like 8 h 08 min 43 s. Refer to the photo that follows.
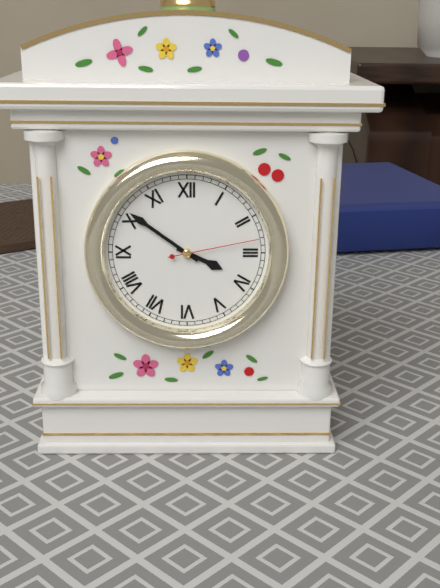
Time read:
3 h 51 min 13 s
